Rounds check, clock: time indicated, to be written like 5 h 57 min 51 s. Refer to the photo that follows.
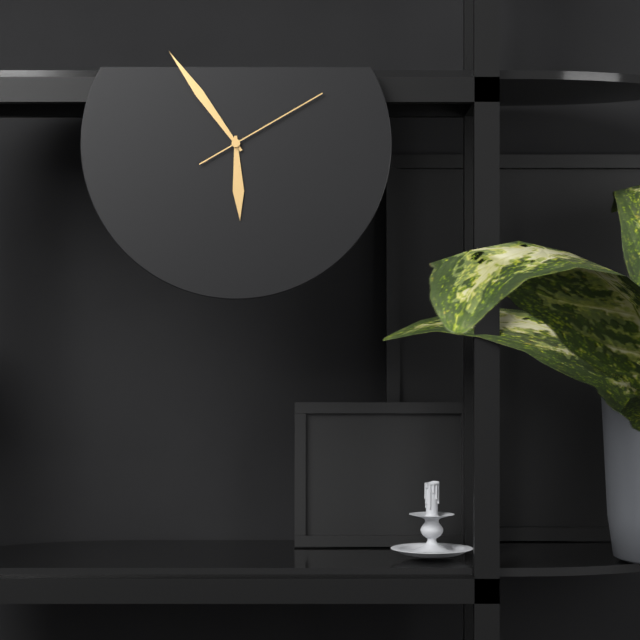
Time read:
5 h 54 min 10 s
